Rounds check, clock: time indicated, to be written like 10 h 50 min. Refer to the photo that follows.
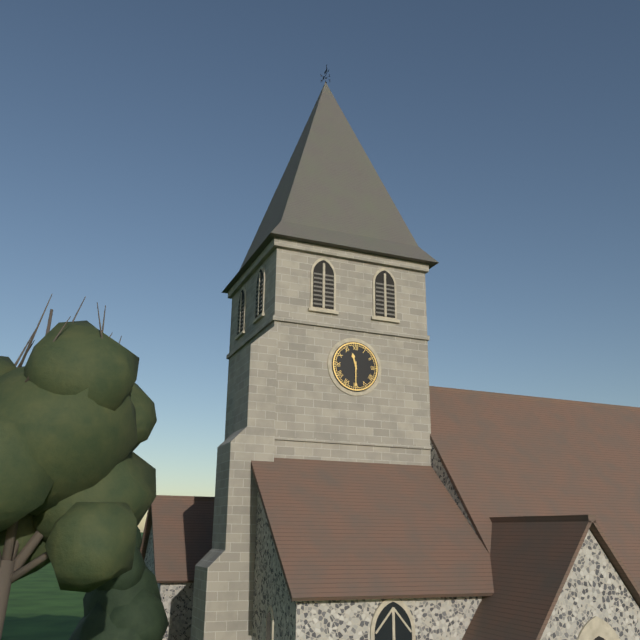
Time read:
11 h 30 min
